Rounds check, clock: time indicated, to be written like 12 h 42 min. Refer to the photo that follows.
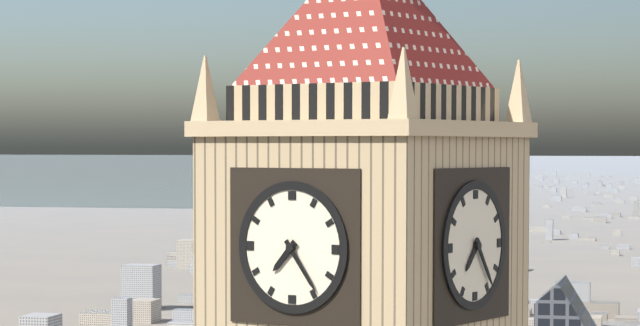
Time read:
7 h 24 min
